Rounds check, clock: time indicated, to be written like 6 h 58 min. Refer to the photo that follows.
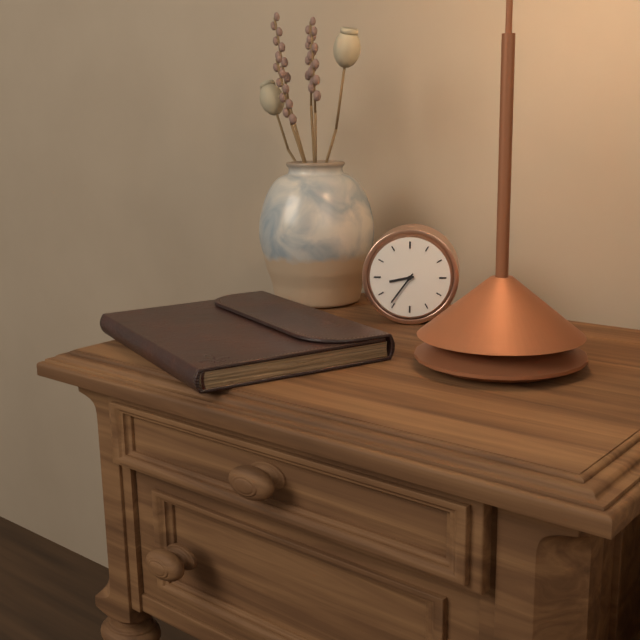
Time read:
8 h 36 min
